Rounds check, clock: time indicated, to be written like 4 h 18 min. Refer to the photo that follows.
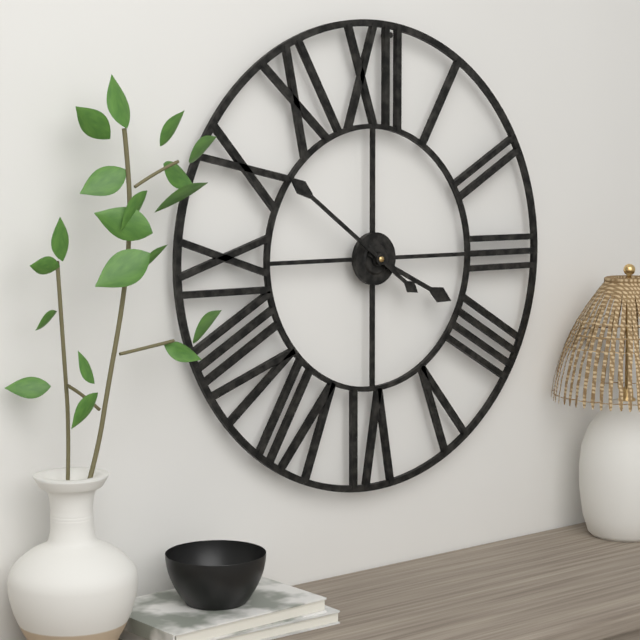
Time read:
3 h 51 min
